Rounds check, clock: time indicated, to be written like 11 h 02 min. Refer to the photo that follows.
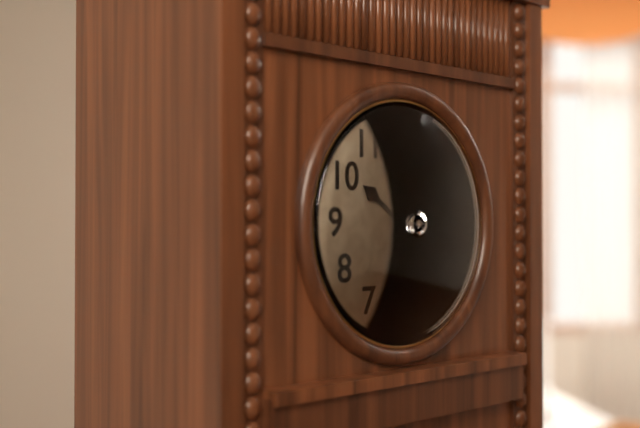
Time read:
10 h 09 min
